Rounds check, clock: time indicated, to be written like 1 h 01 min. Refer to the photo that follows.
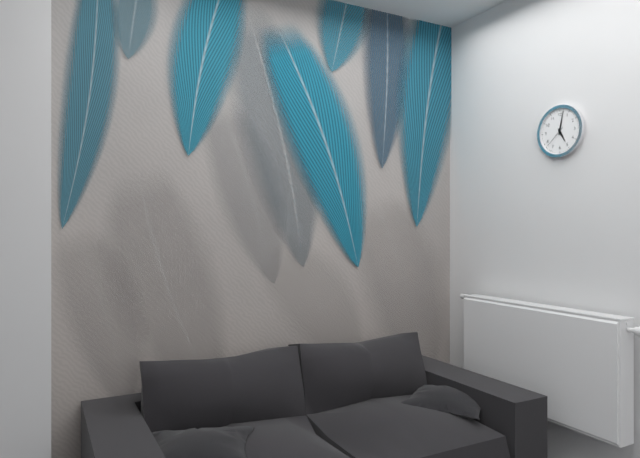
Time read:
5 h 02 min
